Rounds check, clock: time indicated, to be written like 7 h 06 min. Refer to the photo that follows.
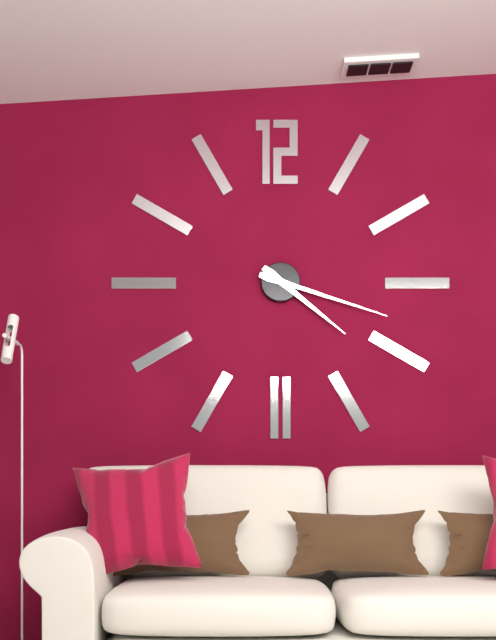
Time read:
4 h 18 min
